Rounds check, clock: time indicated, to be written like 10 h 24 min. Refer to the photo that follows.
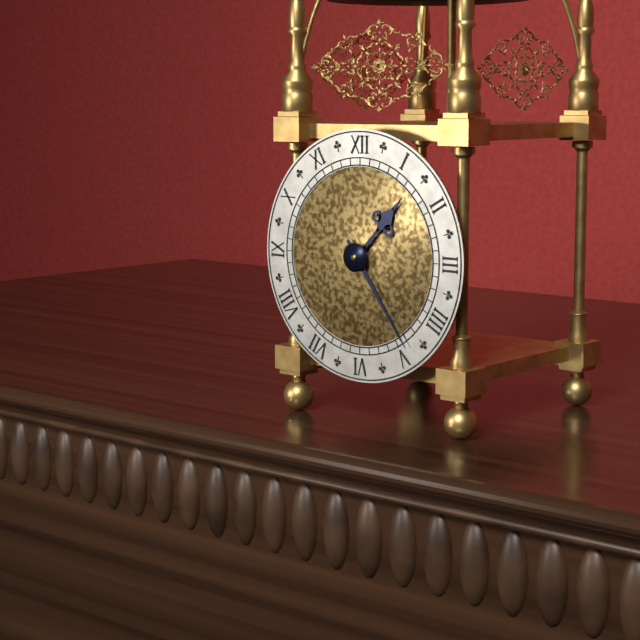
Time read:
1 h 24 min
